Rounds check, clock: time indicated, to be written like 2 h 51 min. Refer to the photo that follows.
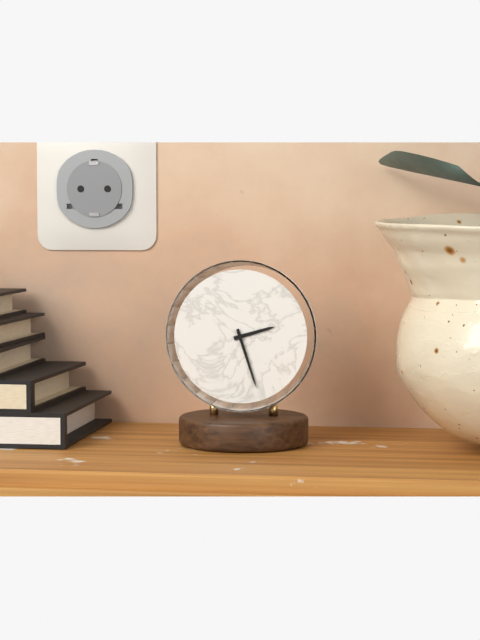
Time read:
2 h 27 min
